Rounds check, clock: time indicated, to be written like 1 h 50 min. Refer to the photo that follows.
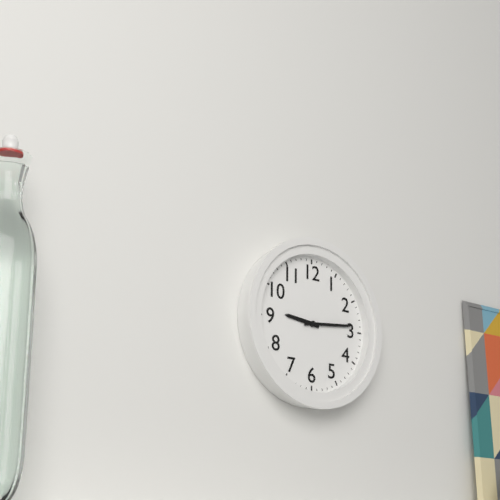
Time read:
9 h 14 min
